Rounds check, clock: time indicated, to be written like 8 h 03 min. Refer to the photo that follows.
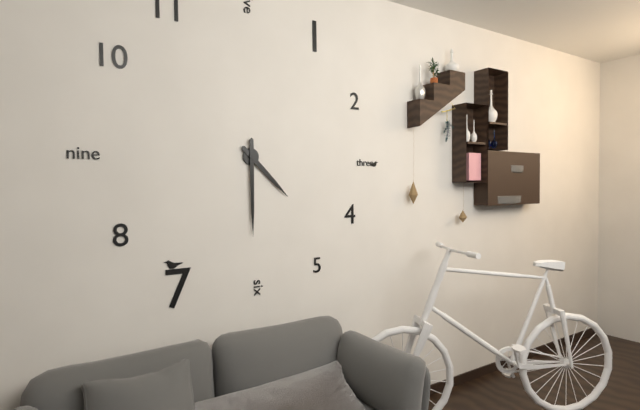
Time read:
4 h 30 min
